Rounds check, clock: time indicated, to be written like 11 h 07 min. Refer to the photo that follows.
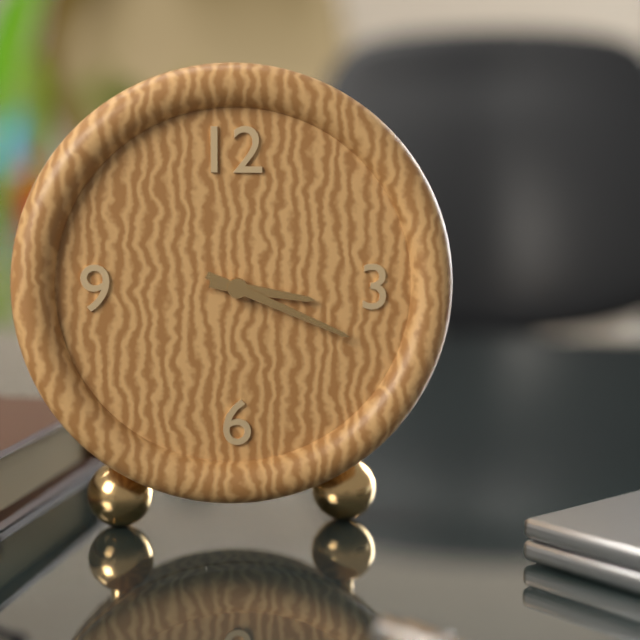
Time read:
3 h 19 min
